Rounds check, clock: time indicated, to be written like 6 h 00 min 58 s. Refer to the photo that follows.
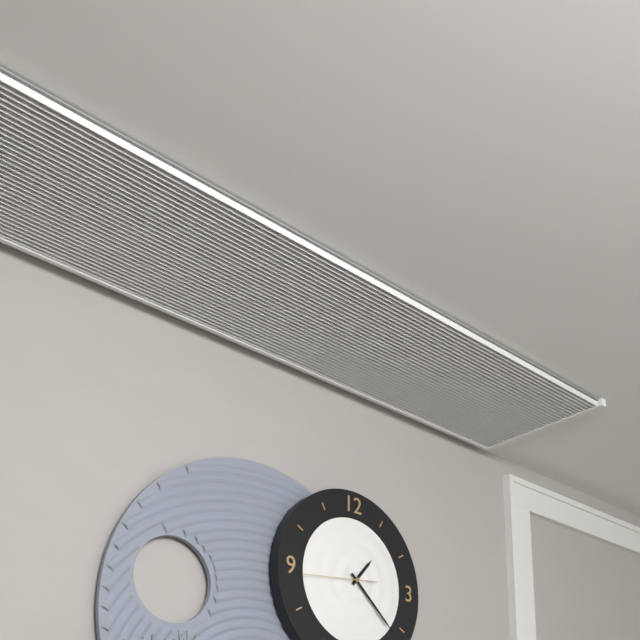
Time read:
1 h 22 min 44 s
